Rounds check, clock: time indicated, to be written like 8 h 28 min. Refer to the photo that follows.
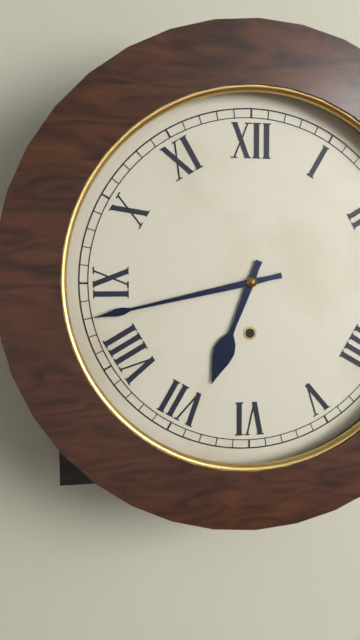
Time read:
6 h 43 min
